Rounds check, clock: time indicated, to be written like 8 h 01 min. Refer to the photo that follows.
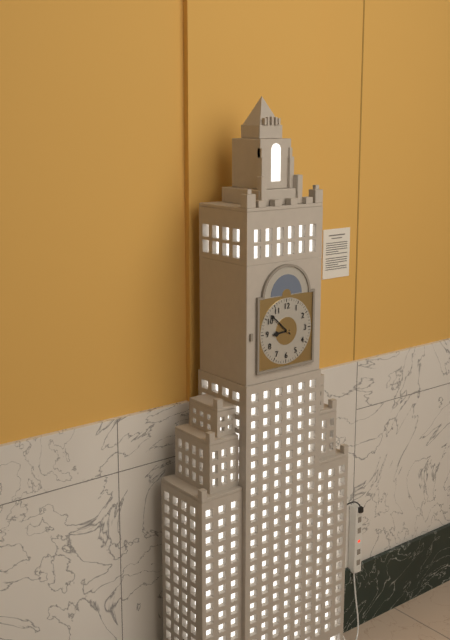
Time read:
8 h 52 min
